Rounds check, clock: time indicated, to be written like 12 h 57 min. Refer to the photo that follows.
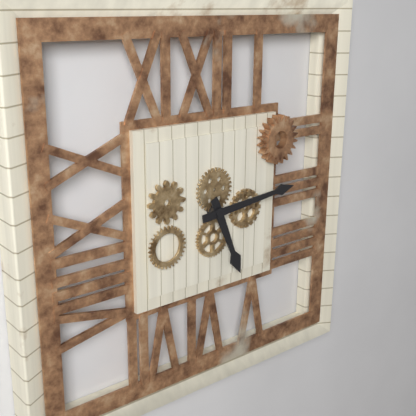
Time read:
5 h 14 min
